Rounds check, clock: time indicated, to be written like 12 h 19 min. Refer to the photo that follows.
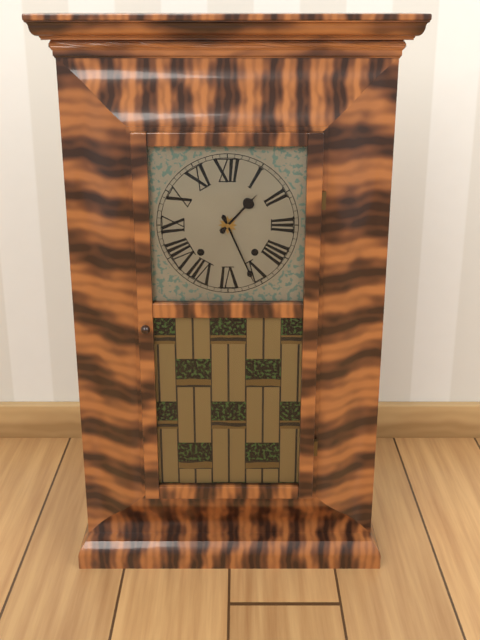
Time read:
1 h 26 min
